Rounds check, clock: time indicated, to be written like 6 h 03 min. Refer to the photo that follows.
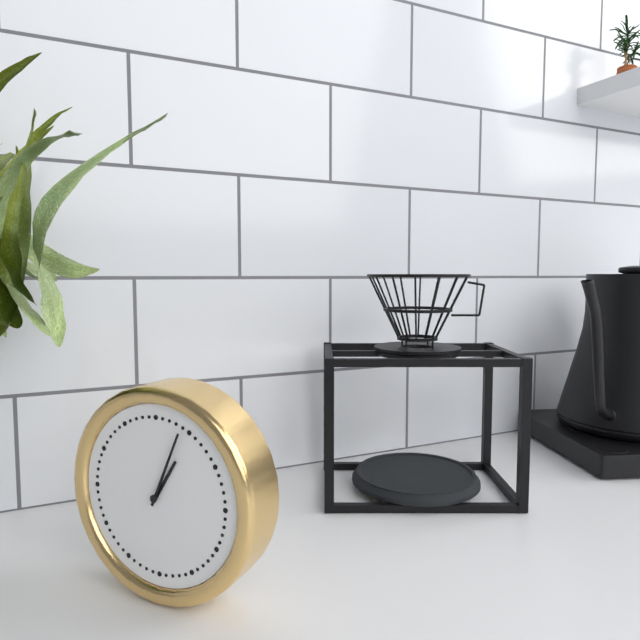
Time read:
1 h 04 min
